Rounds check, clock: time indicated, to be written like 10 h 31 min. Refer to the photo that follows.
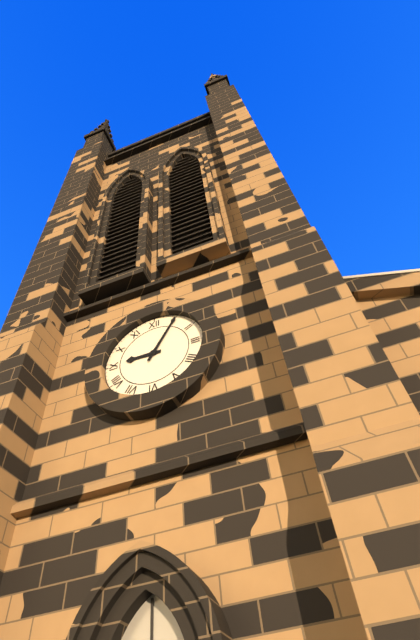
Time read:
9 h 05 min
